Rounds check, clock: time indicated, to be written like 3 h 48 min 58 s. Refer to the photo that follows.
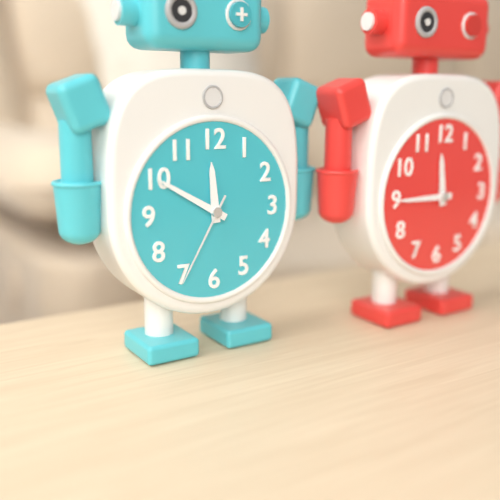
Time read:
11 h 50 min 35 s
